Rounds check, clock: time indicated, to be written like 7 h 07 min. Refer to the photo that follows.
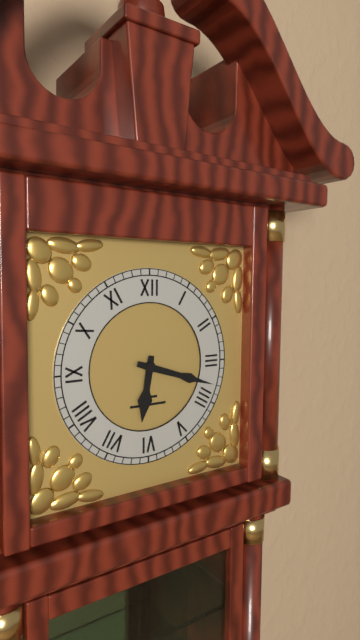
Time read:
6 h 18 min
